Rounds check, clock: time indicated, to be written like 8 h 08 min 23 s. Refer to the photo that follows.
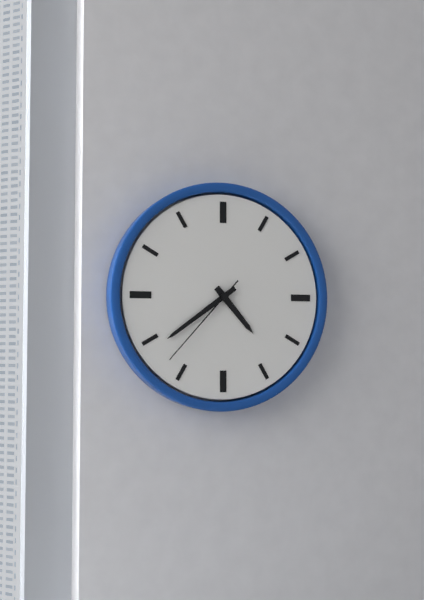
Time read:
4 h 39 min 37 s
